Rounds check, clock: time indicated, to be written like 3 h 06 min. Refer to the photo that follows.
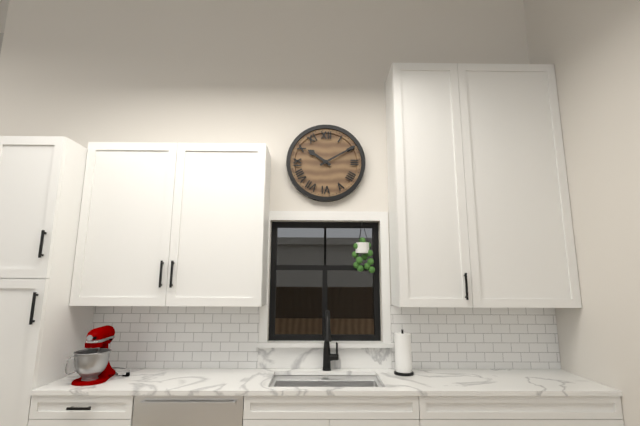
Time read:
10 h 10 min
